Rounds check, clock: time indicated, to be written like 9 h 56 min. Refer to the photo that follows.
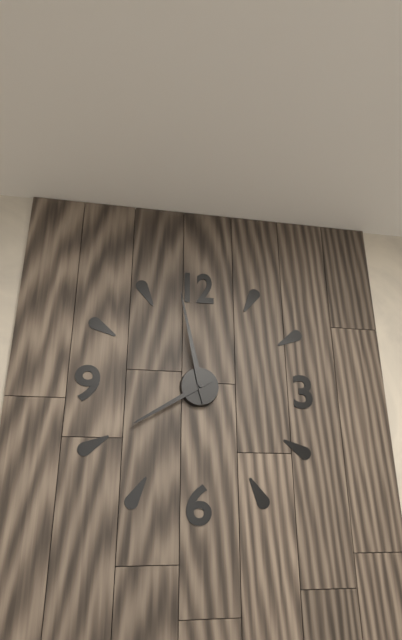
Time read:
7 h 58 min
